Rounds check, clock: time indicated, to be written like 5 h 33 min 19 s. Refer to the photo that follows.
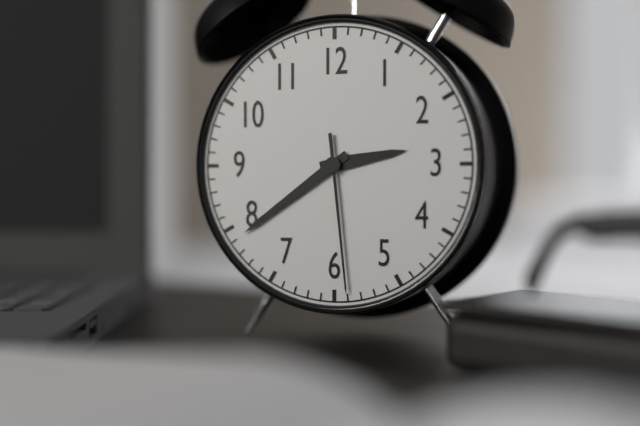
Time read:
2 h 39 min 29 s
